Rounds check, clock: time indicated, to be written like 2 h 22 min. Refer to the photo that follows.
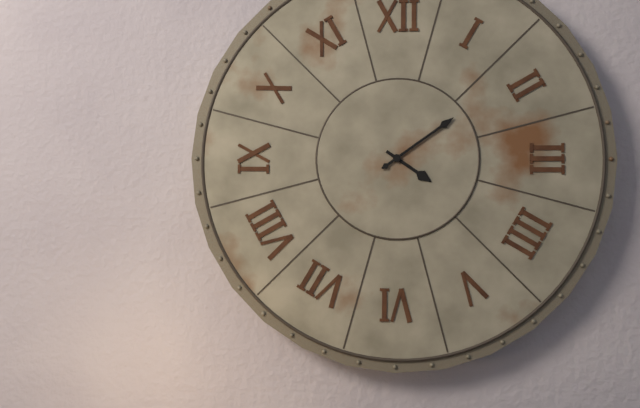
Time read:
4 h 09 min
